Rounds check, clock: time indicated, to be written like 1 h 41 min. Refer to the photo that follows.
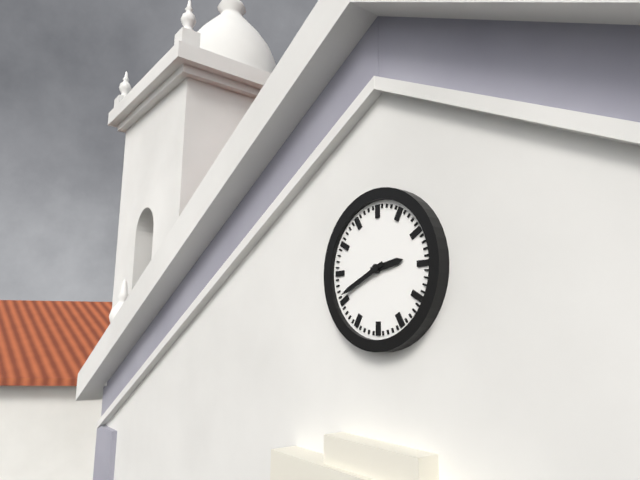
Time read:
2 h 41 min
